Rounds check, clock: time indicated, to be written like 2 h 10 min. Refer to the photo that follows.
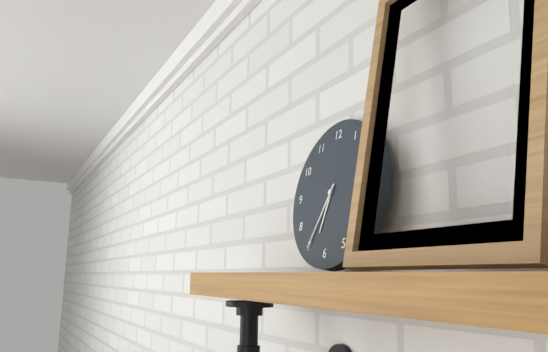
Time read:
6 h 35 min
